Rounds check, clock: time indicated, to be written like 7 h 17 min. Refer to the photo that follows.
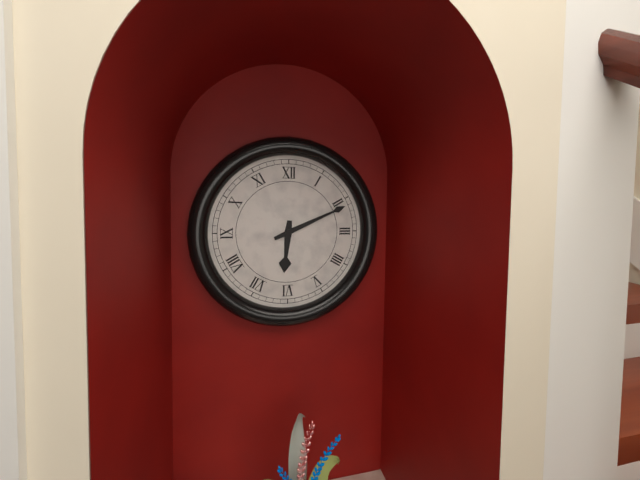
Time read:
6 h 11 min
